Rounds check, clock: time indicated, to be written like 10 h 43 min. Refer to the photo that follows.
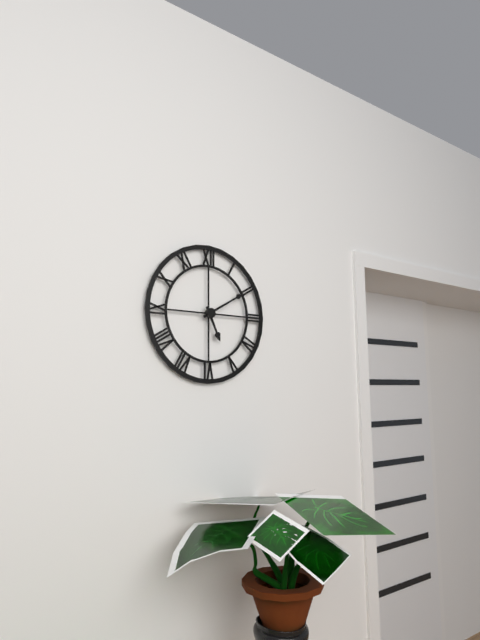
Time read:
5 h 10 min
